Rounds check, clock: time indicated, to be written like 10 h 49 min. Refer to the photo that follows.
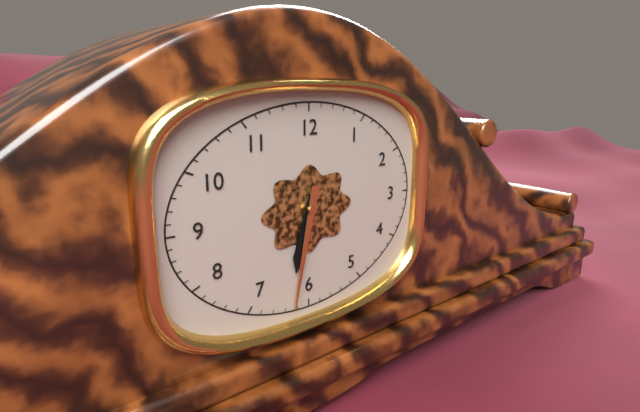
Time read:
6 h 32 min
